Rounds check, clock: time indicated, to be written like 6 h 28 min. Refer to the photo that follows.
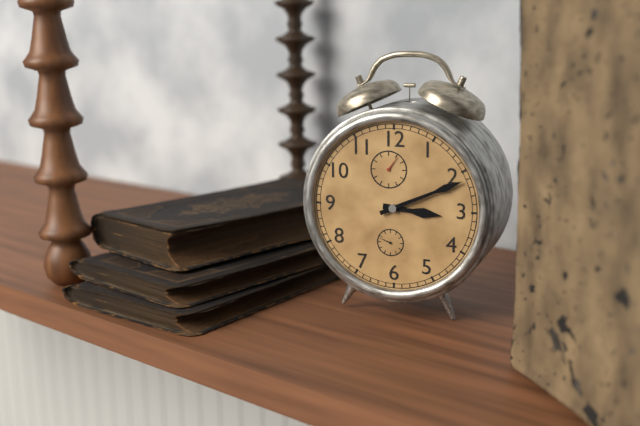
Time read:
3 h 11 min
